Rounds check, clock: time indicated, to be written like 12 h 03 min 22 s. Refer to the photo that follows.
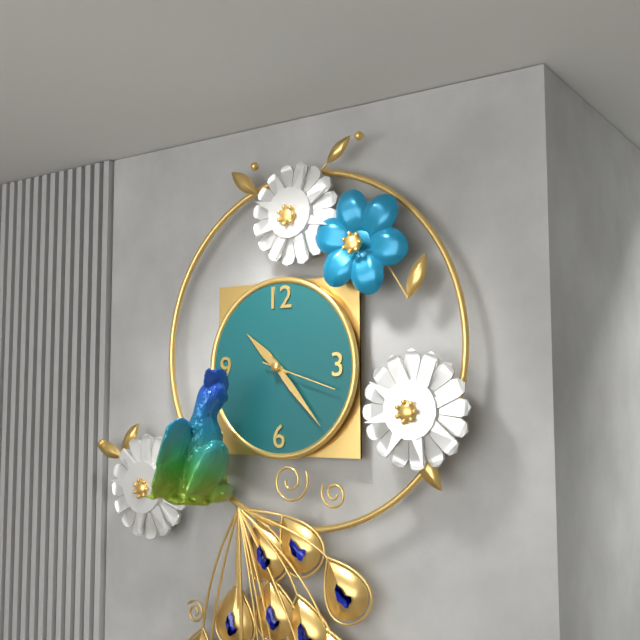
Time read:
10 h 23 min 18 s
